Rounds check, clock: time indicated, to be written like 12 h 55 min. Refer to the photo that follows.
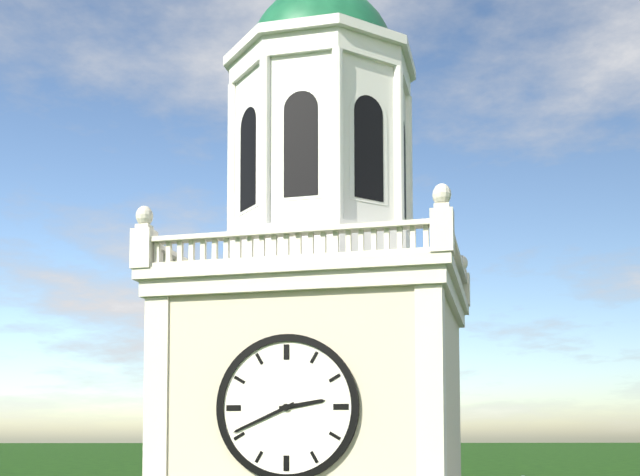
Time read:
2 h 41 min
